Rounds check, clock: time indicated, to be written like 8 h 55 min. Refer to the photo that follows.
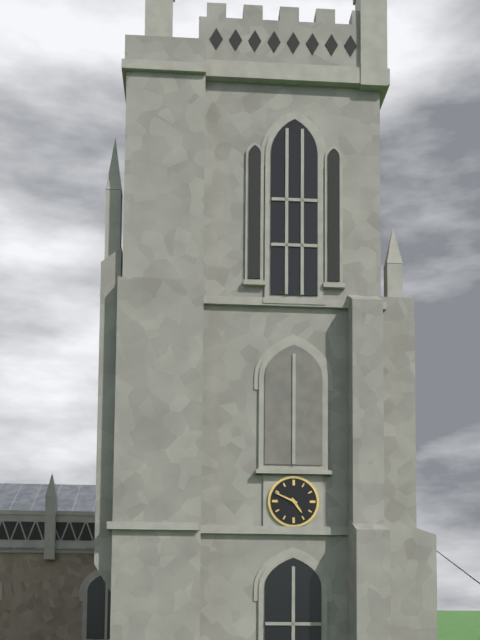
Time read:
4 h 49 min
